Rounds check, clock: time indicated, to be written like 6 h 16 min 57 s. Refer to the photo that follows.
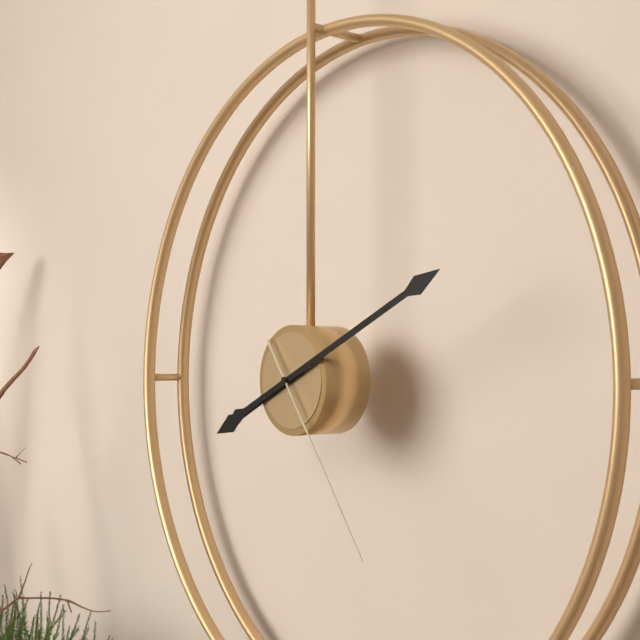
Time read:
8 h 11 min 24 s
